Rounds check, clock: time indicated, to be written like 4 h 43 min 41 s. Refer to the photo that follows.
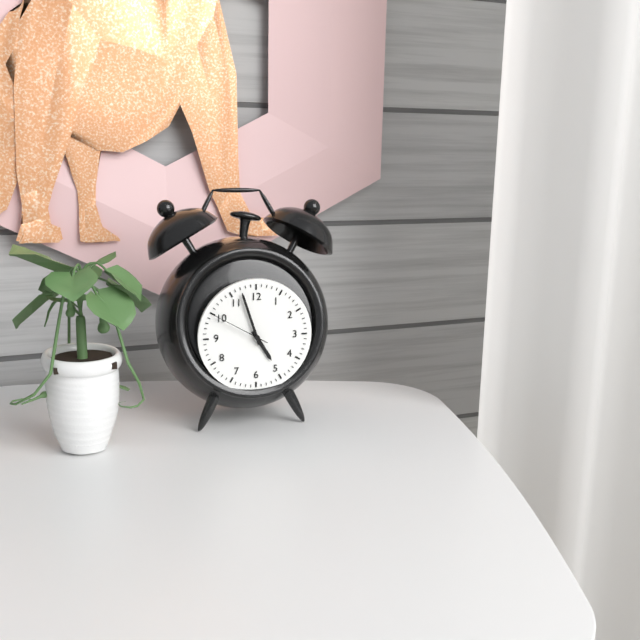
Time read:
4 h 57 min 50 s
